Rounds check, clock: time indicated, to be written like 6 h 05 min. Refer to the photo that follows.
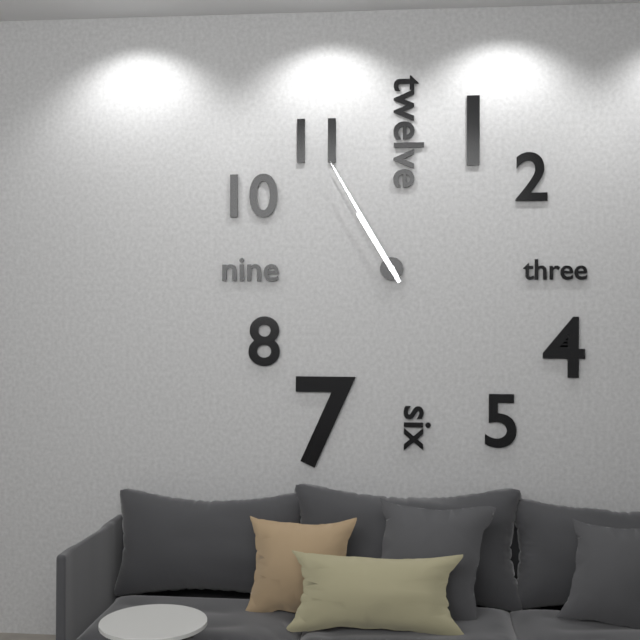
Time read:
10 h 55 min
